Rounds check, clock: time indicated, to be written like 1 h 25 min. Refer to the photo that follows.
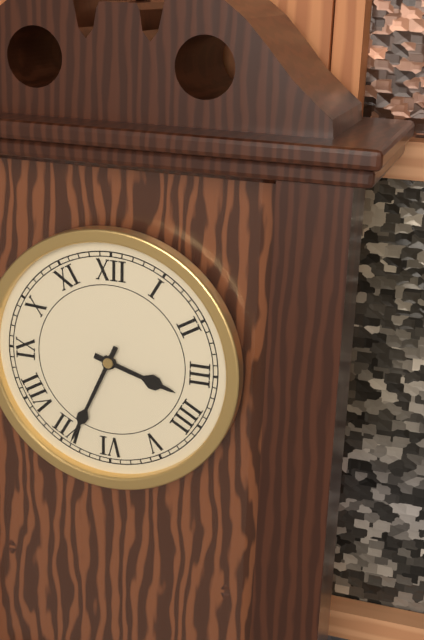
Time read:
3 h 34 min
